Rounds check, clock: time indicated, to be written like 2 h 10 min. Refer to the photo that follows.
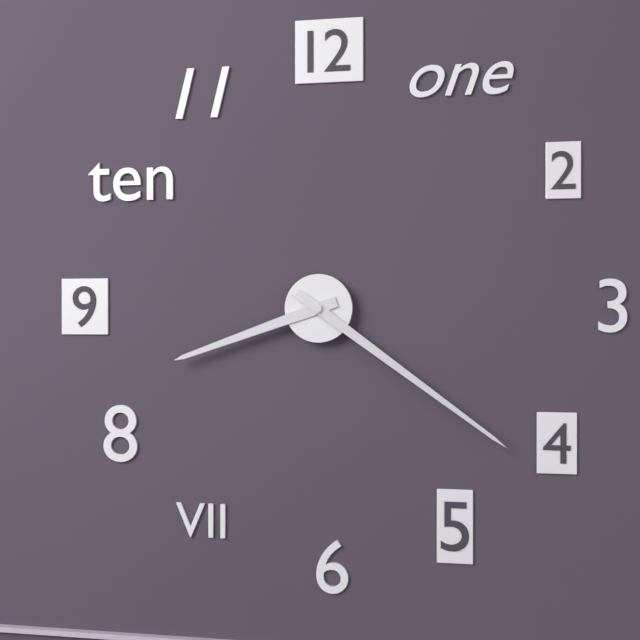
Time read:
8 h 21 min
